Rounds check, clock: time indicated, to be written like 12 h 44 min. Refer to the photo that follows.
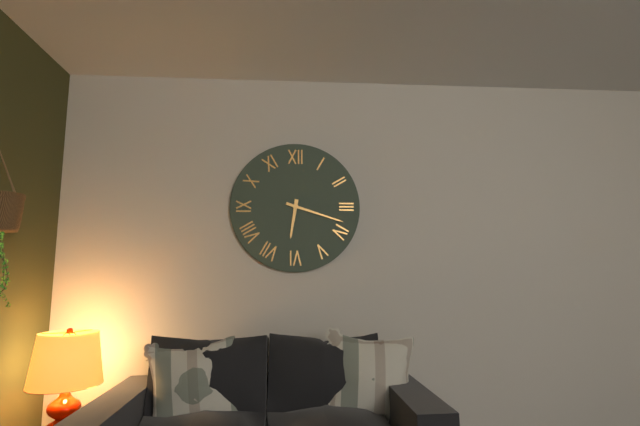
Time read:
6 h 18 min
